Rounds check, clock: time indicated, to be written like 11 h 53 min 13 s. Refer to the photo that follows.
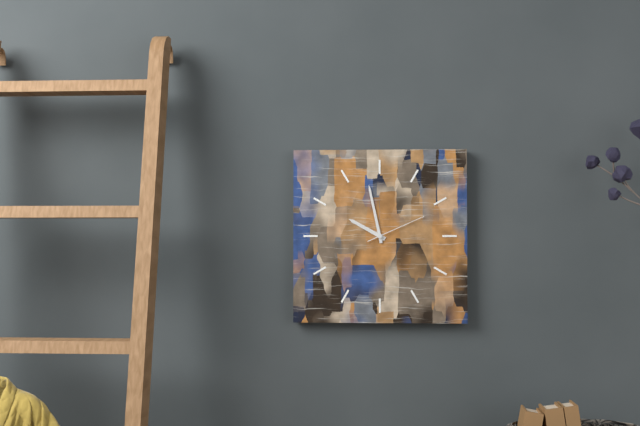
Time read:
9 h 58 min 11 s
